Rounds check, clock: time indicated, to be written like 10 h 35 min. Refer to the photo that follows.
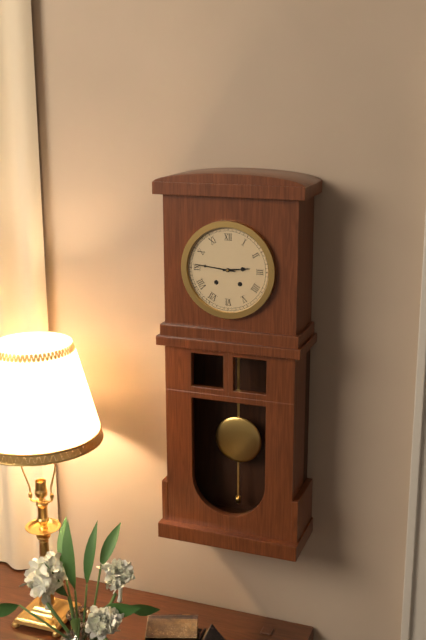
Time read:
2 h 46 min
